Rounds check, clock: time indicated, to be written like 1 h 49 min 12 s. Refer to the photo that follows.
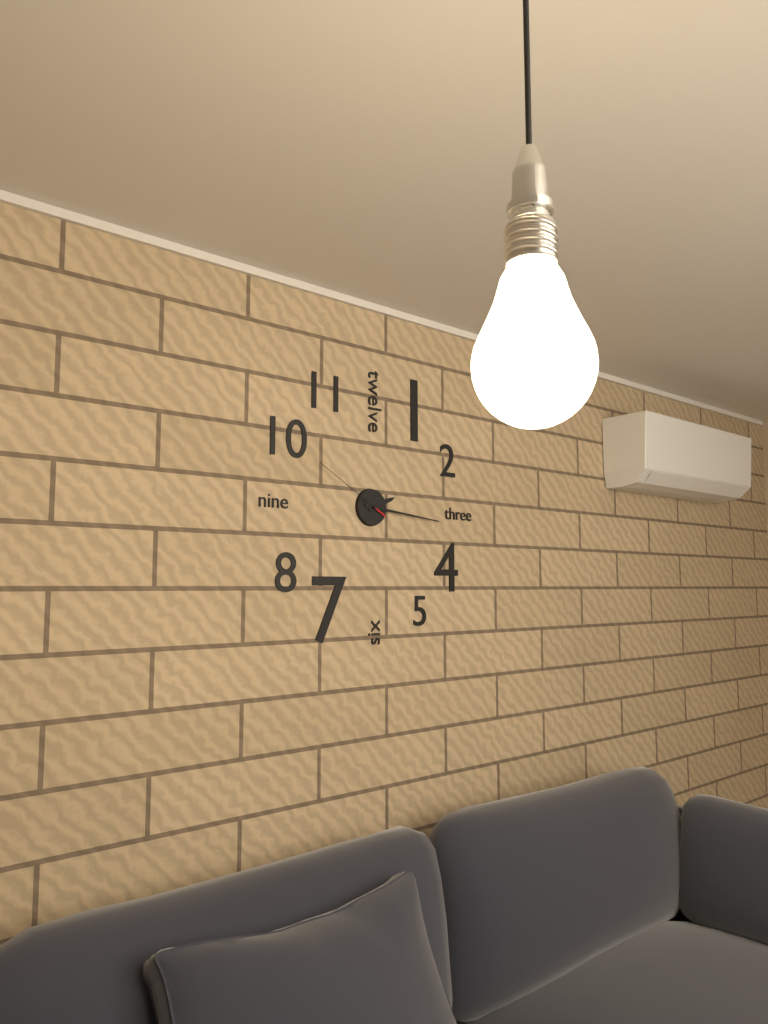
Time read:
2 h 16 min 50 s
